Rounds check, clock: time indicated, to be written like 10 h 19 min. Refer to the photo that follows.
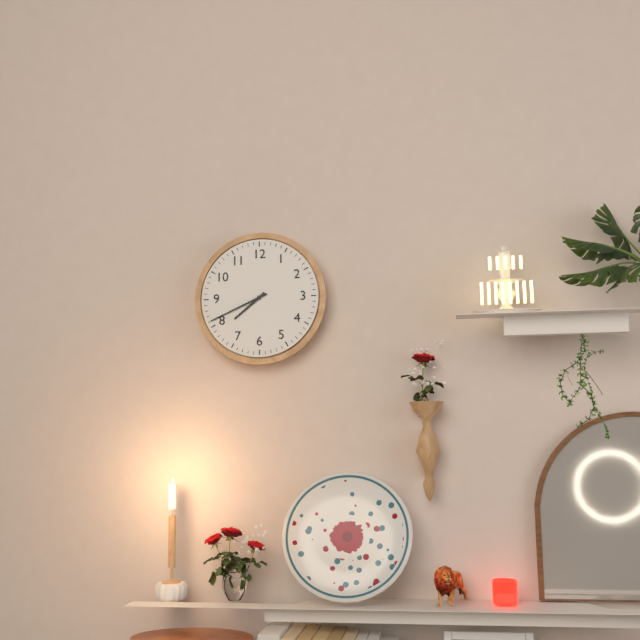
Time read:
7 h 41 min
